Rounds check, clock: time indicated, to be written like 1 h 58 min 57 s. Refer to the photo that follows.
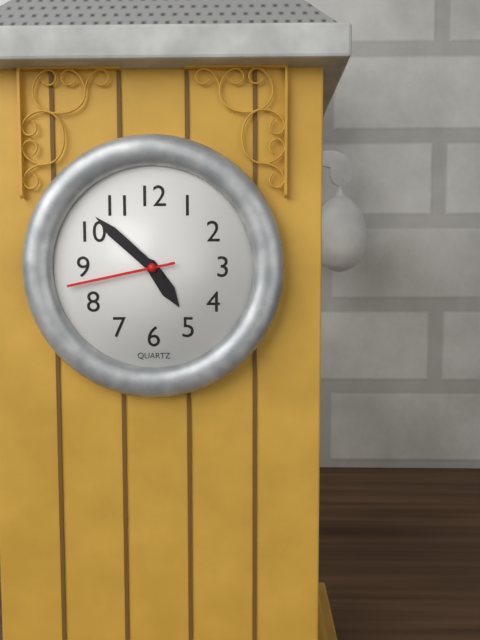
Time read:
4 h 52 min 43 s
